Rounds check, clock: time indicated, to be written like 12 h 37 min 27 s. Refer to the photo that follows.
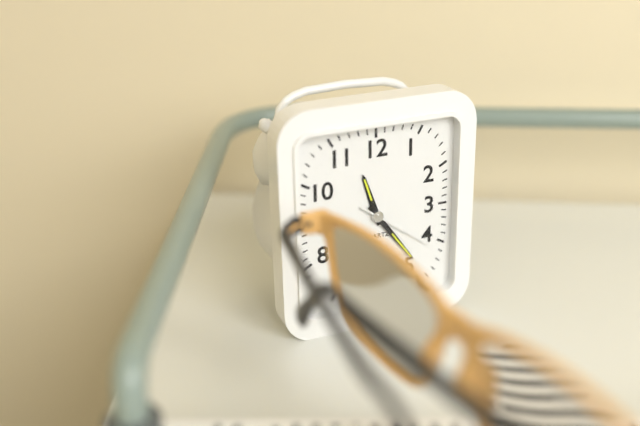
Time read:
11 h 24 min 21 s
